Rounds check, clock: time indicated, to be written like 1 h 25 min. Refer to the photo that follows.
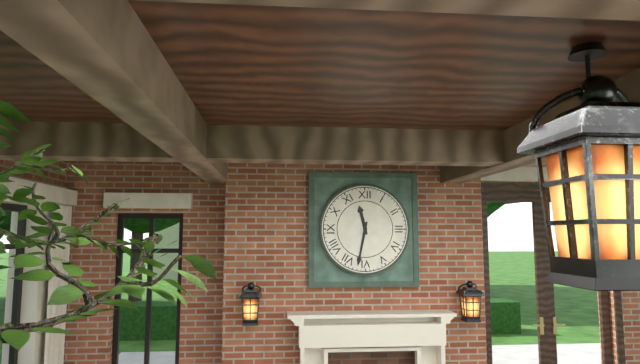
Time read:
11 h 32 min
